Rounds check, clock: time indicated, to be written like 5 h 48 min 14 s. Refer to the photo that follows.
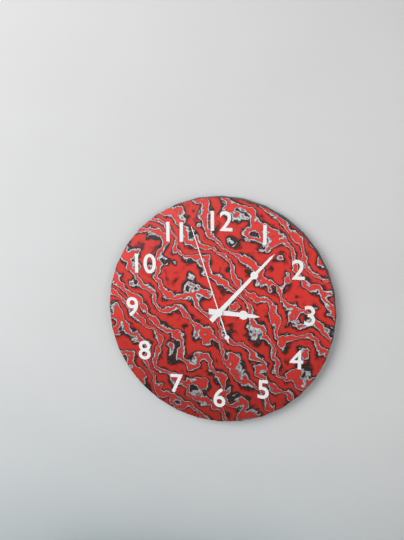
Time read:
3 h 07 min 57 s
